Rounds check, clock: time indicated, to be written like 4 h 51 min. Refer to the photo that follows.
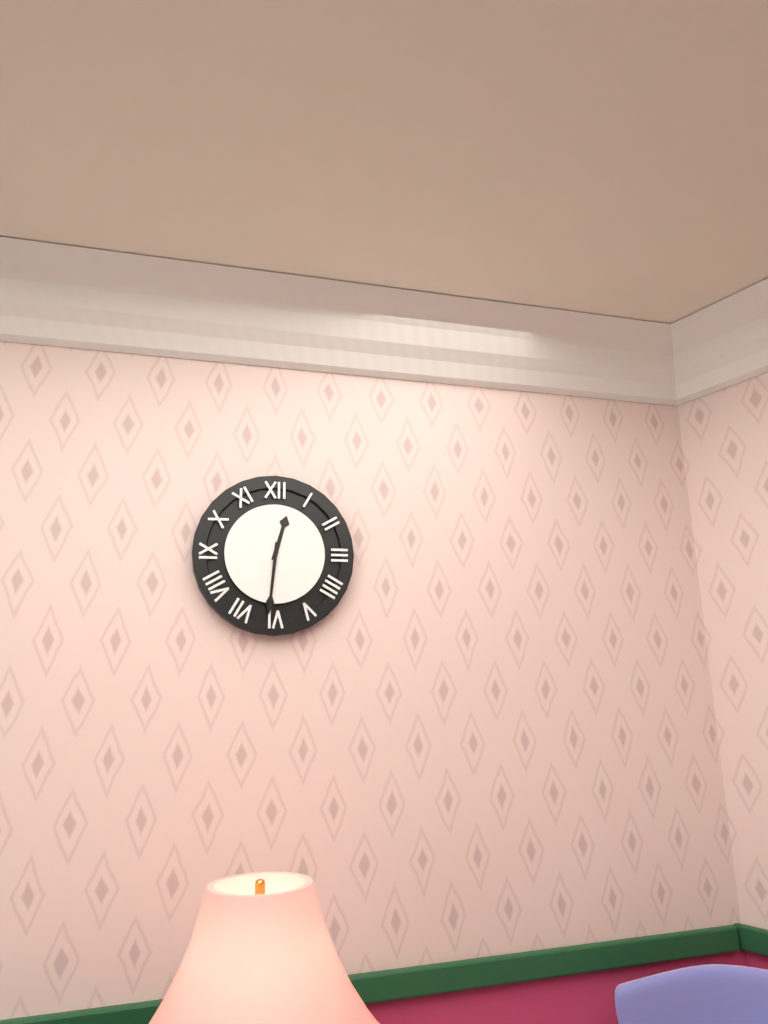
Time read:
12 h 31 min
